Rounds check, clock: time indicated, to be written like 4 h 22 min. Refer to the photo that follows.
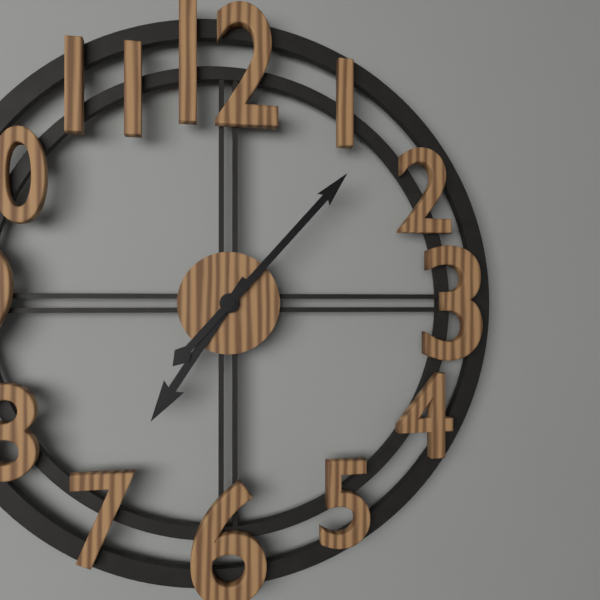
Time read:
7 h 07 min
